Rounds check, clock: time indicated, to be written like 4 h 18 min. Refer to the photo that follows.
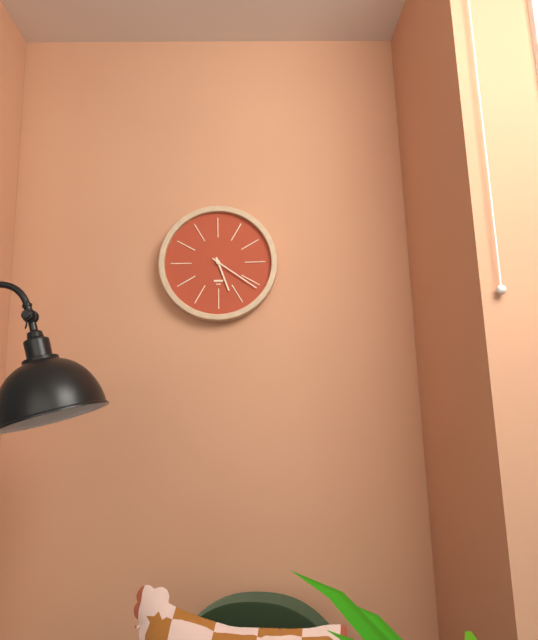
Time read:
5 h 21 min
